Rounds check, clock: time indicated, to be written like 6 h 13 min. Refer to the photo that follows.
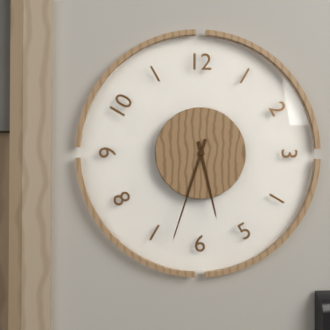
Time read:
5 h 33 min
